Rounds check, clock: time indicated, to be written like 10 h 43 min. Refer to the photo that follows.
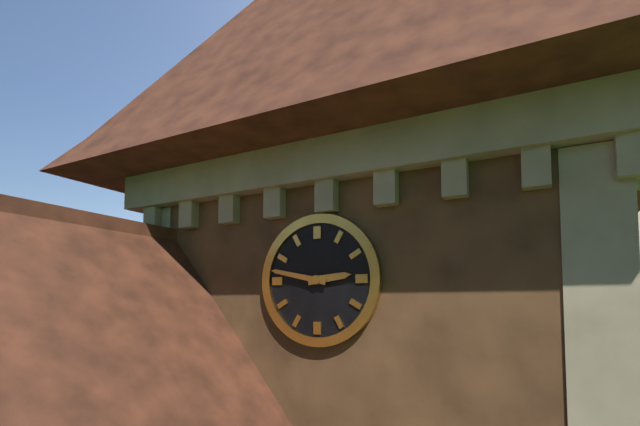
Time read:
2 h 47 min
